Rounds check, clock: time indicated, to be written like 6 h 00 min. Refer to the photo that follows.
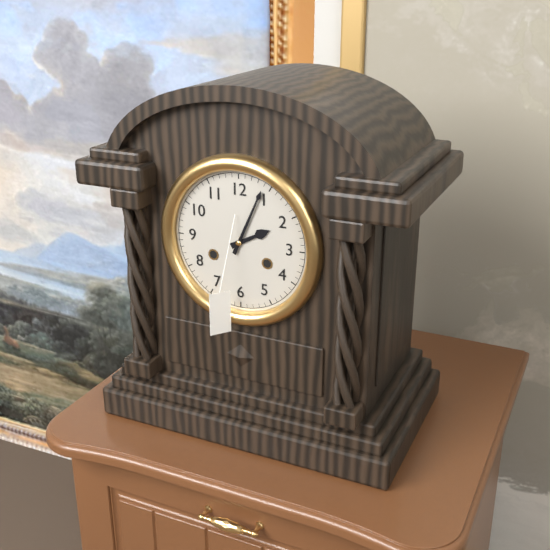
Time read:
2 h 04 min
